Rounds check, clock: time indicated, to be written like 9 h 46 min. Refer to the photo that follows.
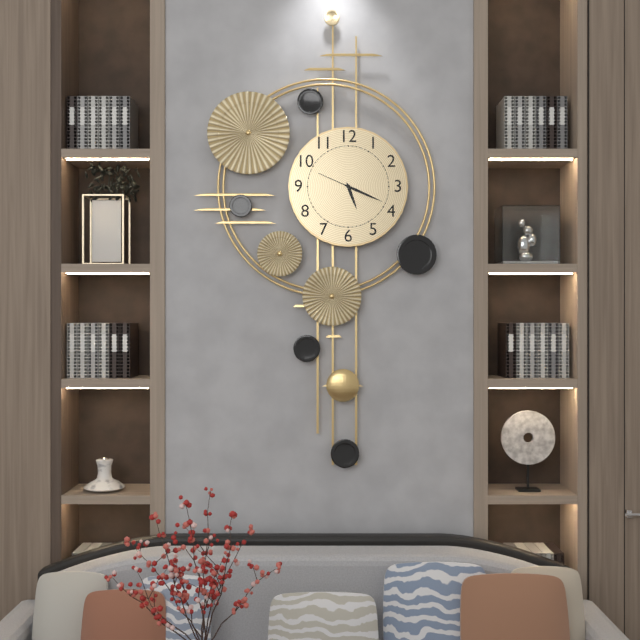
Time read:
5 h 19 min
